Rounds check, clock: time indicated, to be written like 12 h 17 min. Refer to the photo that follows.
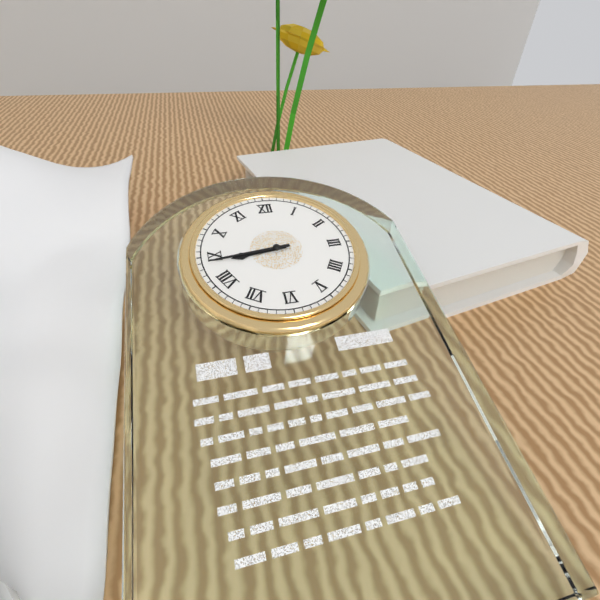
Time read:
8 h 44 min
